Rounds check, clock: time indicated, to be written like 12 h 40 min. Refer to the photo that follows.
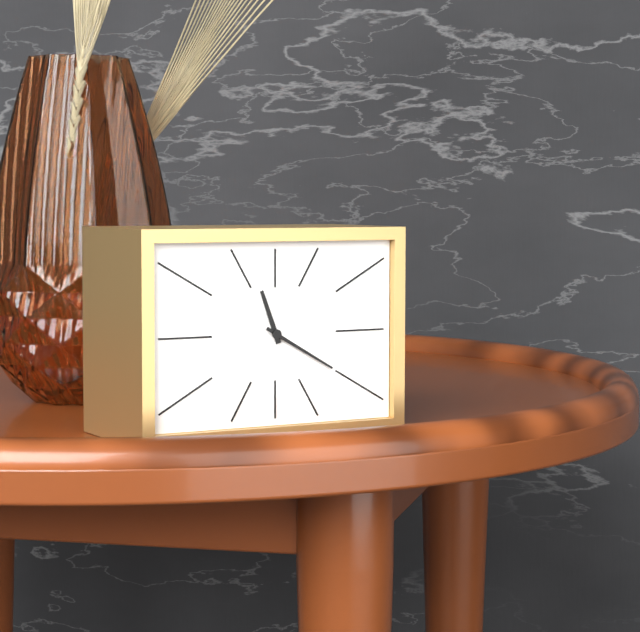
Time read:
11 h 20 min
